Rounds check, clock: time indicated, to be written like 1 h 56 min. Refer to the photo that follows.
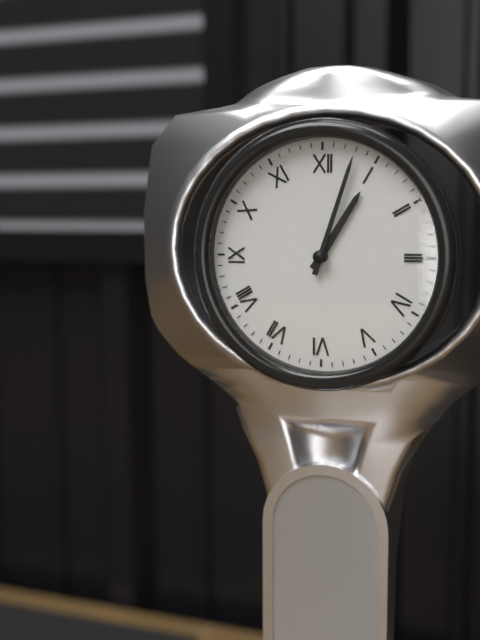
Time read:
1 h 03 min
